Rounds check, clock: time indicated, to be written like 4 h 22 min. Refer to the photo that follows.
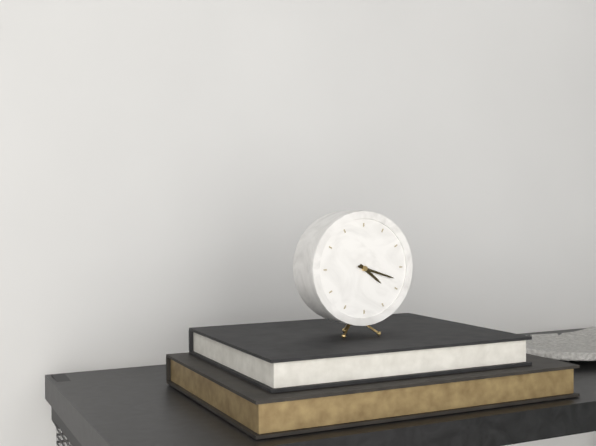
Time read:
4 h 18 min
